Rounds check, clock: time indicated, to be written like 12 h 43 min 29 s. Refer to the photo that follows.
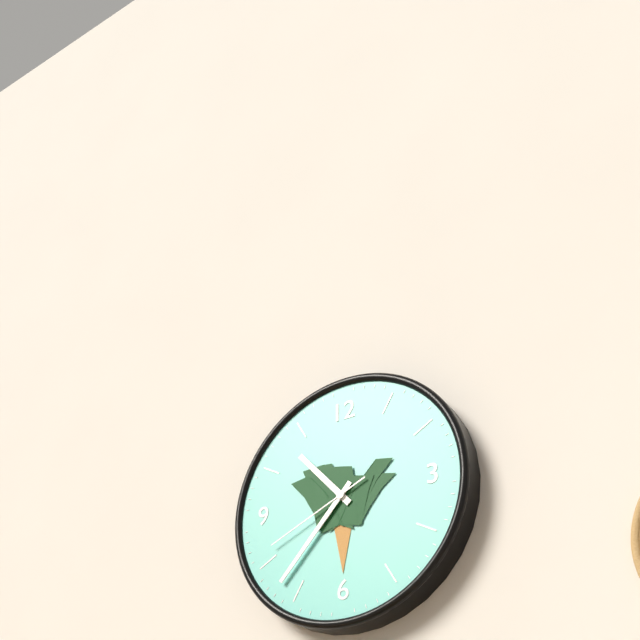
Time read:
10 h 37 min 41 s
